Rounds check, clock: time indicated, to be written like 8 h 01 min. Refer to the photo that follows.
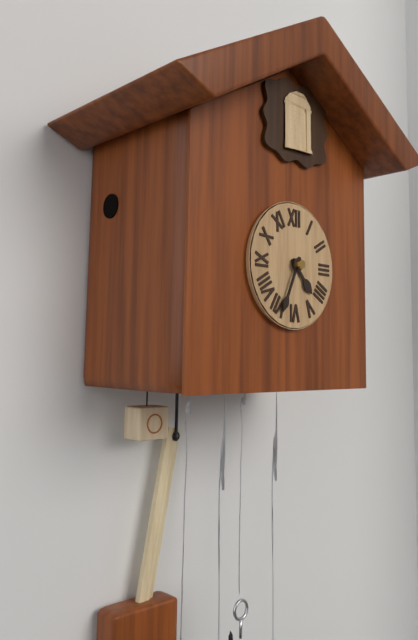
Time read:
4 h 34 min
